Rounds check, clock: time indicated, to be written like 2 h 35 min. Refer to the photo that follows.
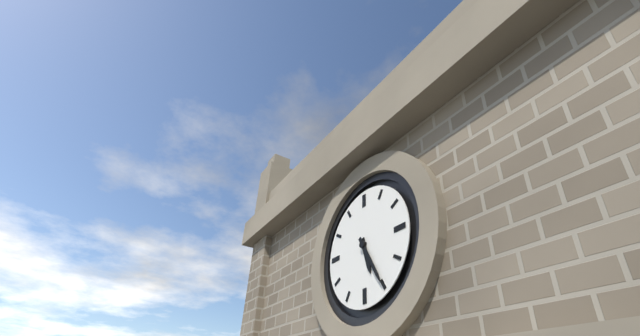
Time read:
5 h 25 min
